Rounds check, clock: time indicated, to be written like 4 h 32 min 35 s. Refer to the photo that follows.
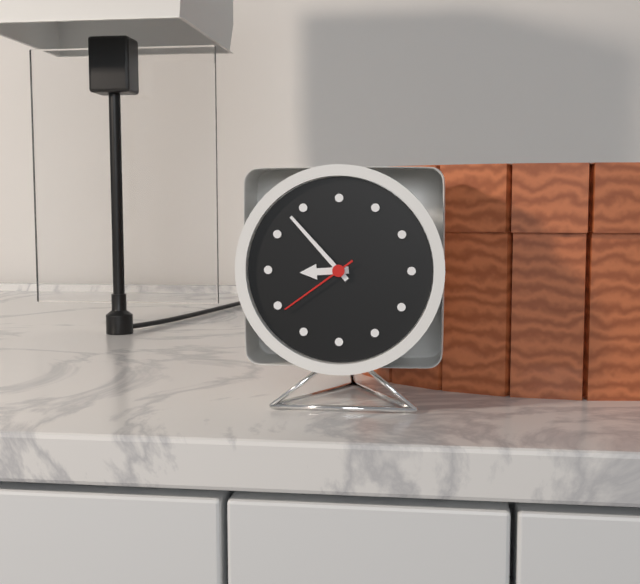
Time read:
8 h 53 min 39 s
